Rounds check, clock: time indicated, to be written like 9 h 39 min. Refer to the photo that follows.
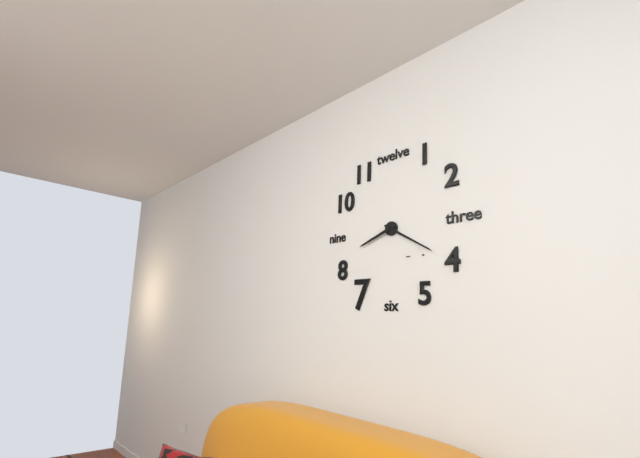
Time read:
8 h 20 min
